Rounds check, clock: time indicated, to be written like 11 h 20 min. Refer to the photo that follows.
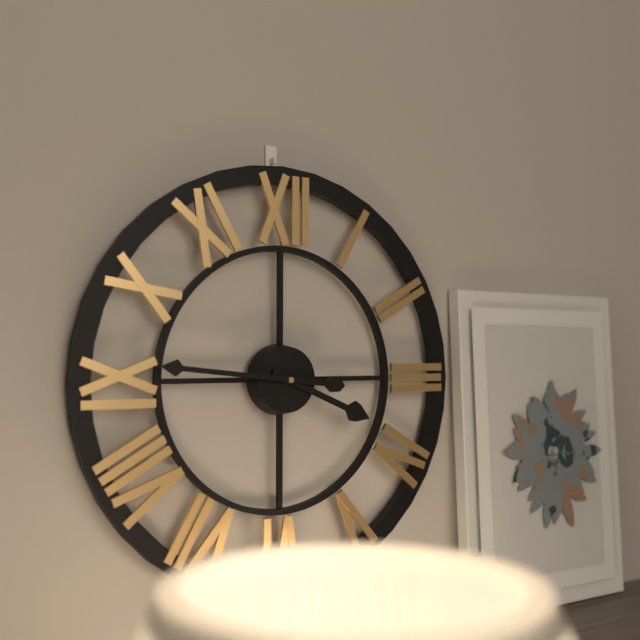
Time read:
3 h 46 min
